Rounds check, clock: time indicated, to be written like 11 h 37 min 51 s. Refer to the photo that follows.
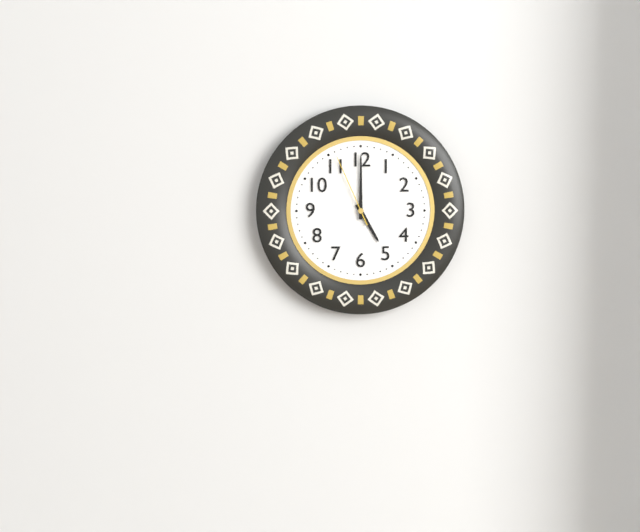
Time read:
5 h 00 min 56 s
